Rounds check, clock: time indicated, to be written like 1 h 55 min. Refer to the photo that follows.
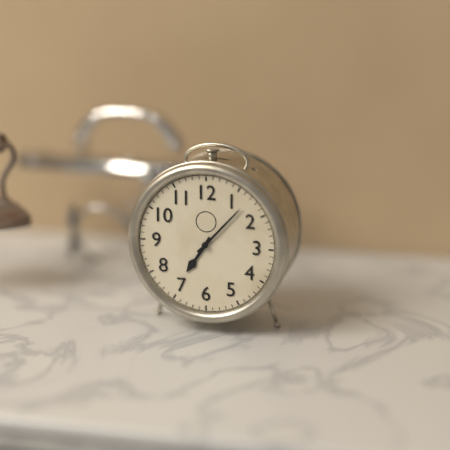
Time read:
7 h 07 min
